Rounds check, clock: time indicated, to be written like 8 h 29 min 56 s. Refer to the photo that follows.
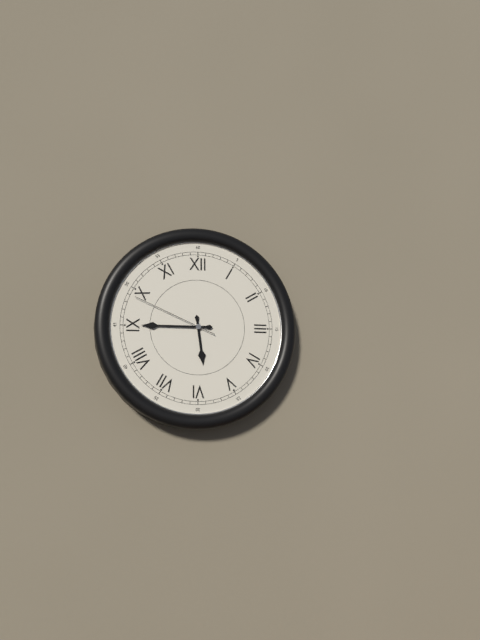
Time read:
5 h 45 min 49 s
